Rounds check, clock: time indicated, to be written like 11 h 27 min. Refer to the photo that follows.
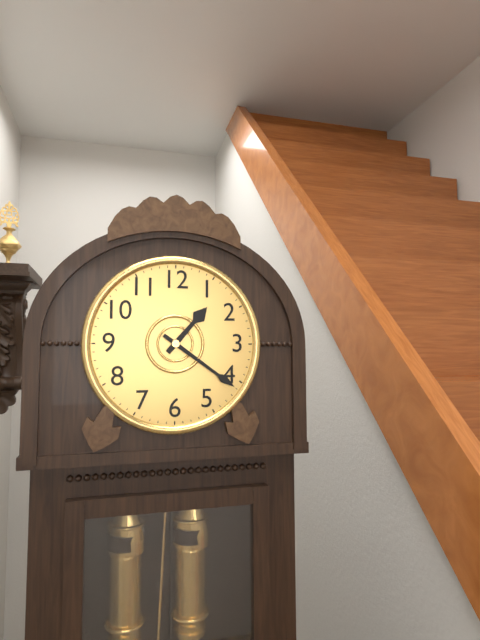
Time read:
1 h 21 min
